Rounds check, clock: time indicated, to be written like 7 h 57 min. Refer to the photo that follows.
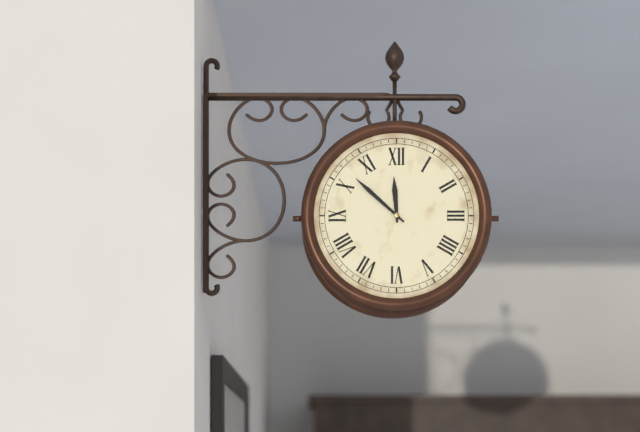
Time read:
11 h 52 min
